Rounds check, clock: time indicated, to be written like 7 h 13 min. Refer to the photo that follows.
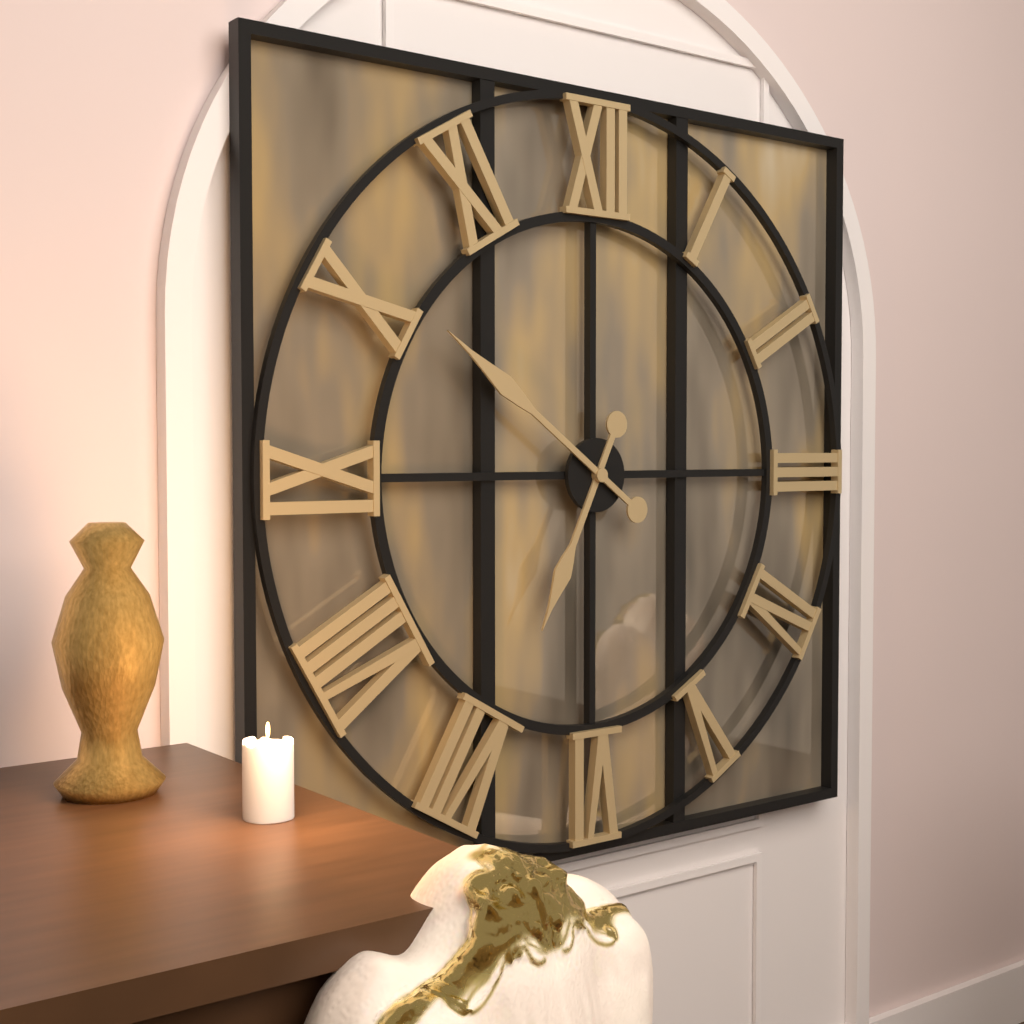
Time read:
6 h 51 min
